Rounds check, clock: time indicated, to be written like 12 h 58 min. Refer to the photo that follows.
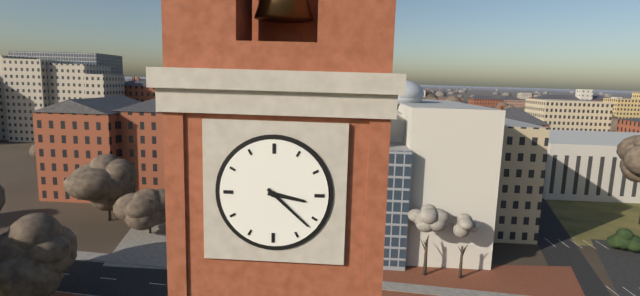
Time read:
3 h 22 min
